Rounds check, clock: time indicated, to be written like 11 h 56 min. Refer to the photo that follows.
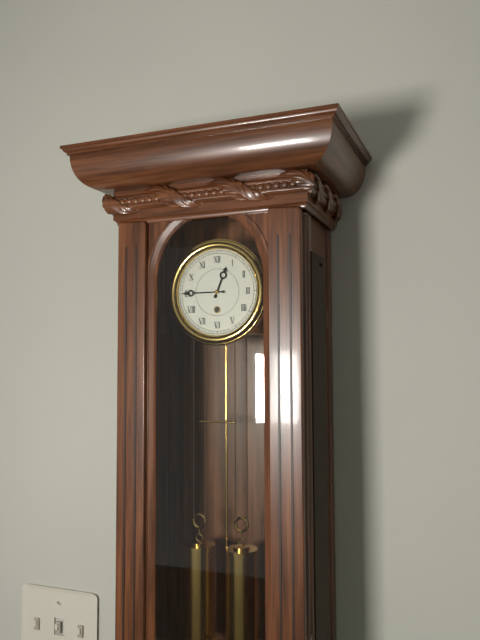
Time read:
12 h 45 min
